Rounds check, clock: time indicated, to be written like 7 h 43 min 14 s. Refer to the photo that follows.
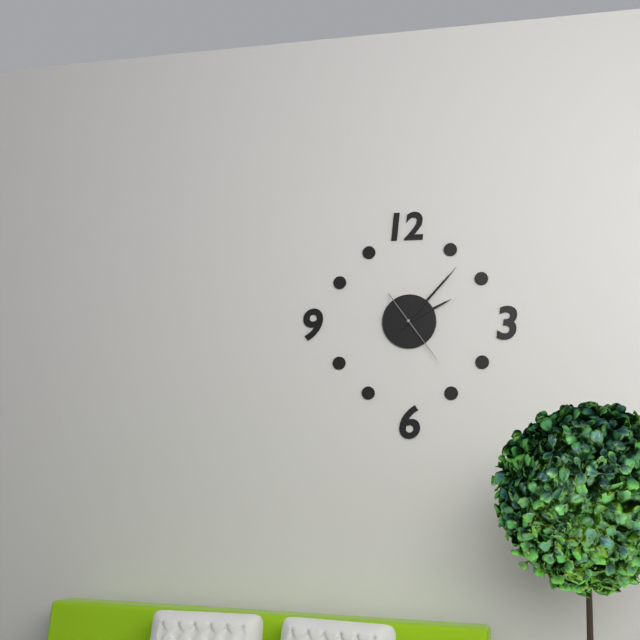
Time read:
2 h 07 min 24 s
